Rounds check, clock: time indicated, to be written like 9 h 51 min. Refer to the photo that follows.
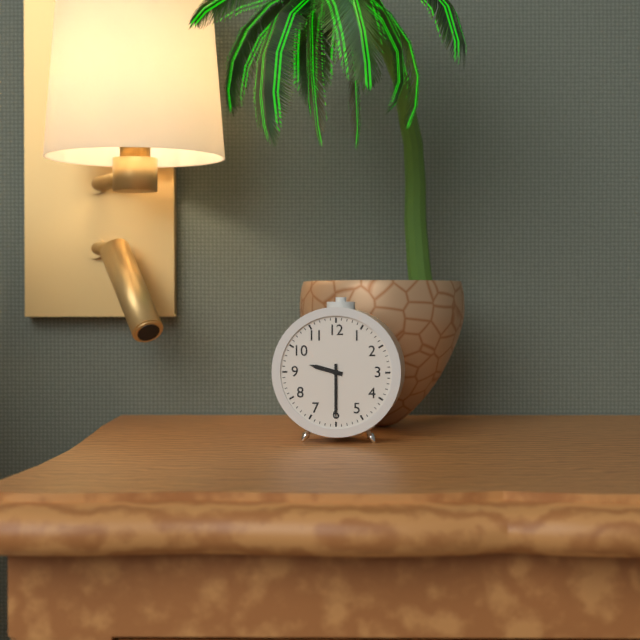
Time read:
9 h 30 min
